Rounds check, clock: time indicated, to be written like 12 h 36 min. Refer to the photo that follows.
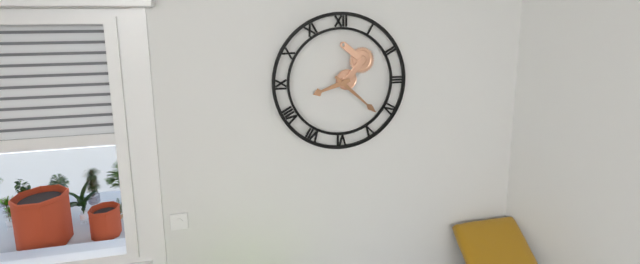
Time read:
8 h 22 min
